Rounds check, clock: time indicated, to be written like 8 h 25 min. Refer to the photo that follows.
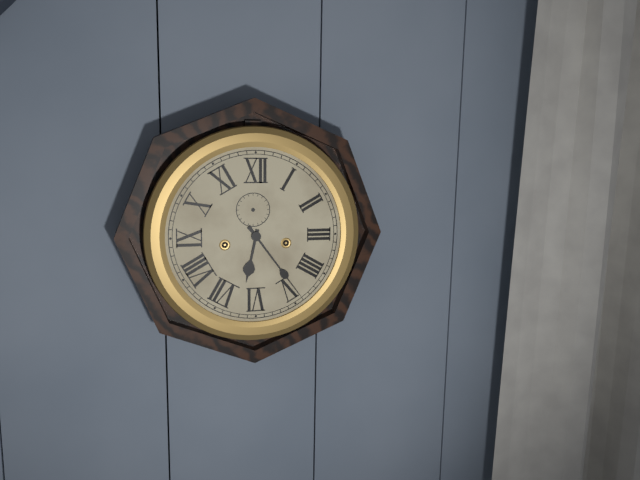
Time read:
6 h 24 min
